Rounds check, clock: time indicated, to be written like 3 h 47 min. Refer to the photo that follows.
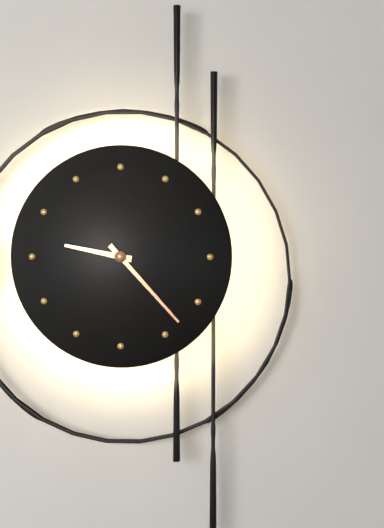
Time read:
9 h 23 min
